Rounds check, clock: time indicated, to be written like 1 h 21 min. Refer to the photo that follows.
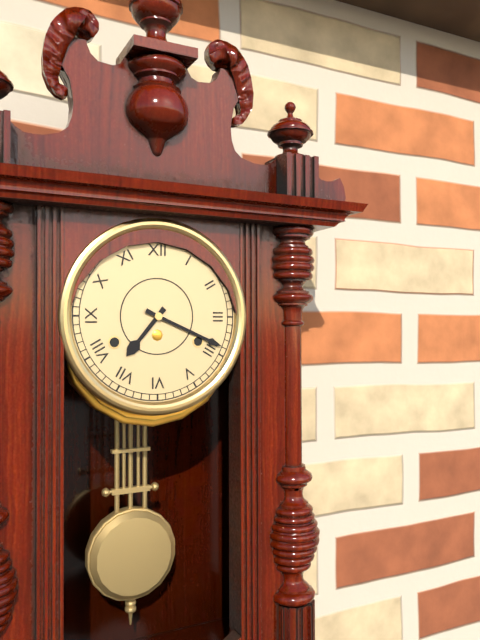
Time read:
7 h 19 min
